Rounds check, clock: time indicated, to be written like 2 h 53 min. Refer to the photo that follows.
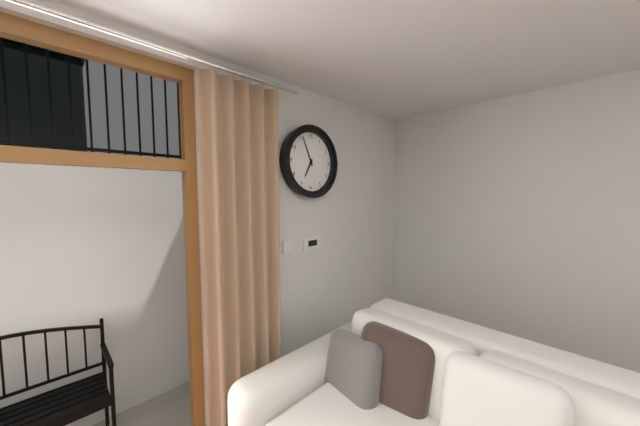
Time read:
6 h 56 min
